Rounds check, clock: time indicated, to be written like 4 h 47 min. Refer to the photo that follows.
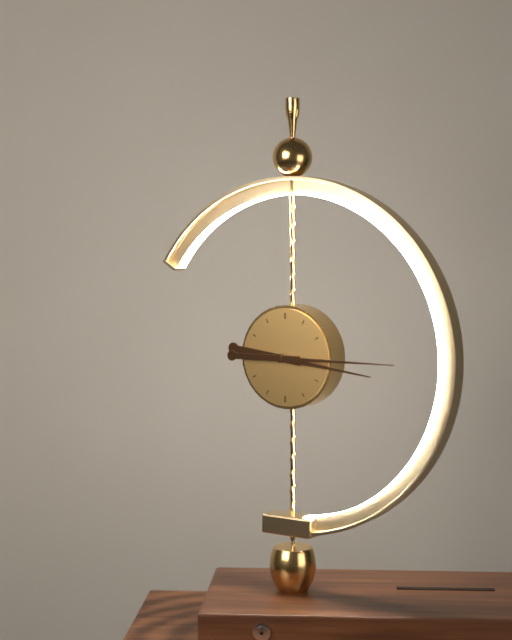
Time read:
3 h 15 min
